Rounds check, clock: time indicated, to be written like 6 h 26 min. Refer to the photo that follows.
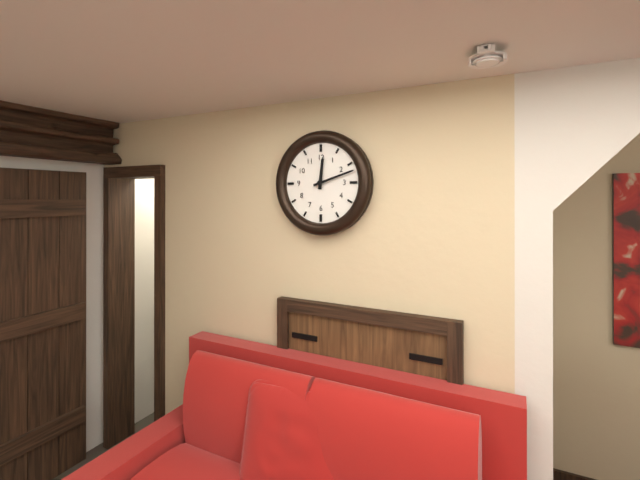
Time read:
12 h 12 min
